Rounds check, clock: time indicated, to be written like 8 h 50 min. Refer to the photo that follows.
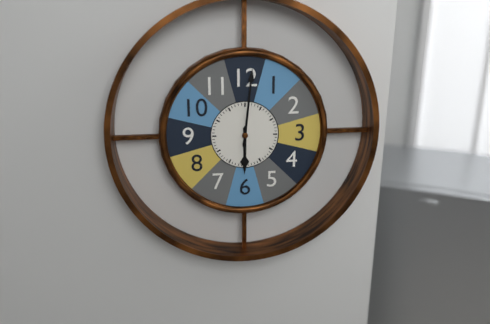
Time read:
6 h 01 min
